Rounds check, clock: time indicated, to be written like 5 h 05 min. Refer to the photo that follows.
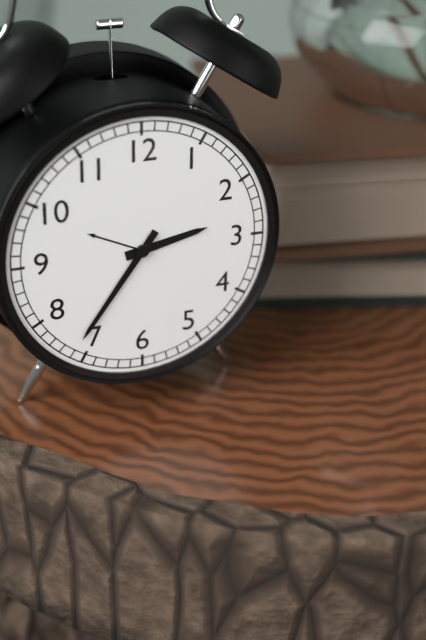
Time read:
2 h 36 min
